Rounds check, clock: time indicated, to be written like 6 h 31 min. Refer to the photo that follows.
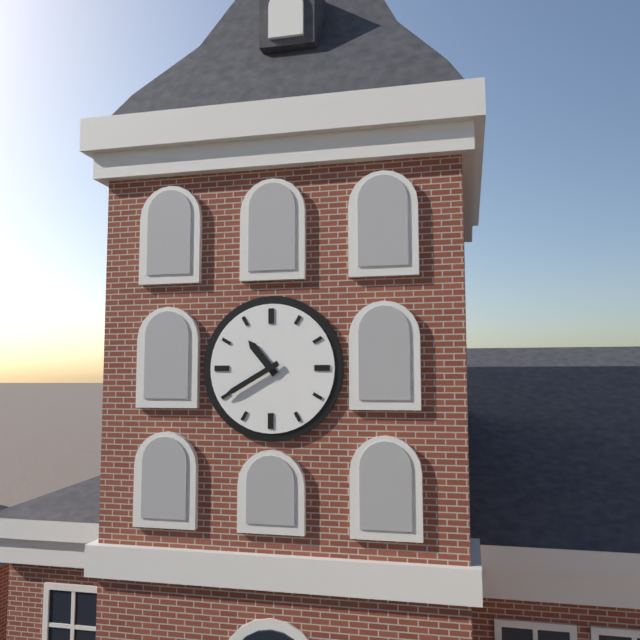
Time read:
10 h 40 min
